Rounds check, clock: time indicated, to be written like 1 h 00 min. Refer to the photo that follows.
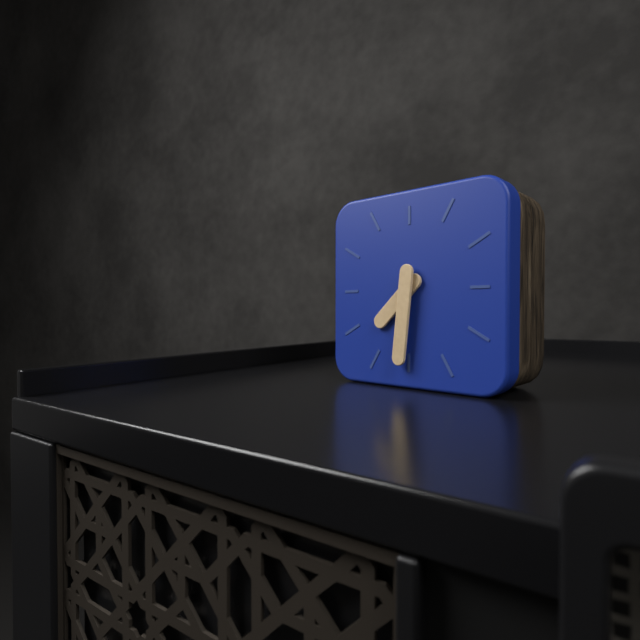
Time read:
7 h 31 min
